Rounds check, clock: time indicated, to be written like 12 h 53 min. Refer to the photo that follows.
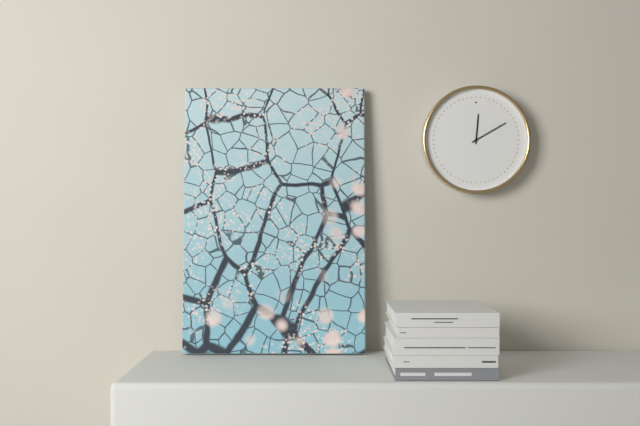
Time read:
12 h 10 min
